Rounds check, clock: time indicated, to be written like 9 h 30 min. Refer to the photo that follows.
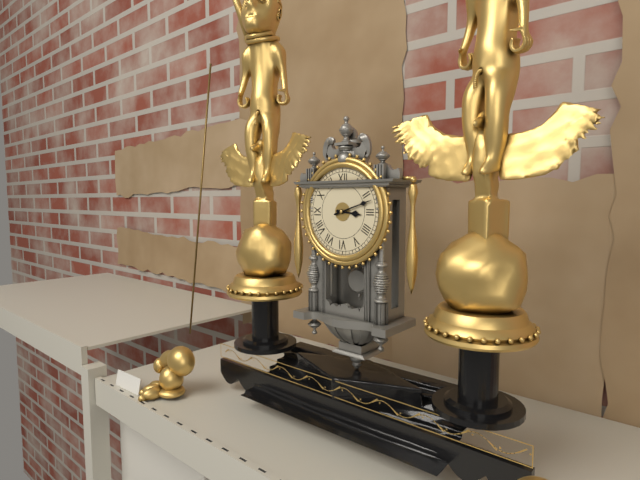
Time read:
3 h 12 min
